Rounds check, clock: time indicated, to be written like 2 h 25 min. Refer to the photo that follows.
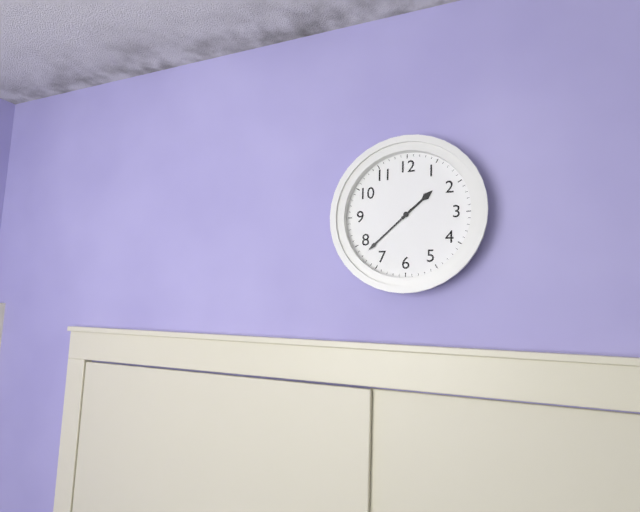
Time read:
1 h 38 min
